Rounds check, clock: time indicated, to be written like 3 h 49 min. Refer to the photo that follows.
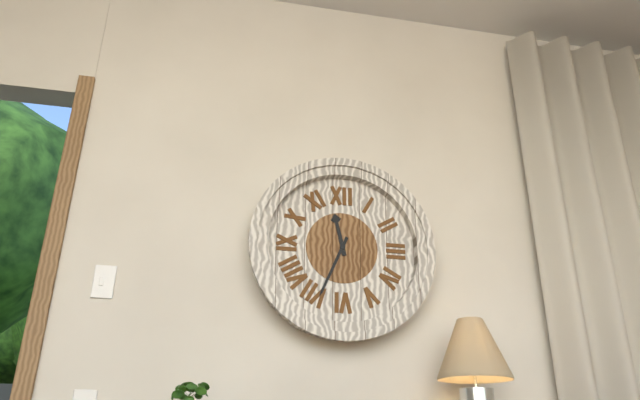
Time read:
11 h 34 min
